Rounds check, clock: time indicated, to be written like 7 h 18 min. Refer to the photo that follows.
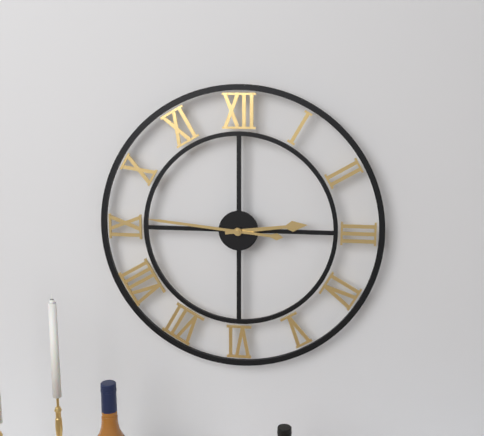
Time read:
2 h 46 min
